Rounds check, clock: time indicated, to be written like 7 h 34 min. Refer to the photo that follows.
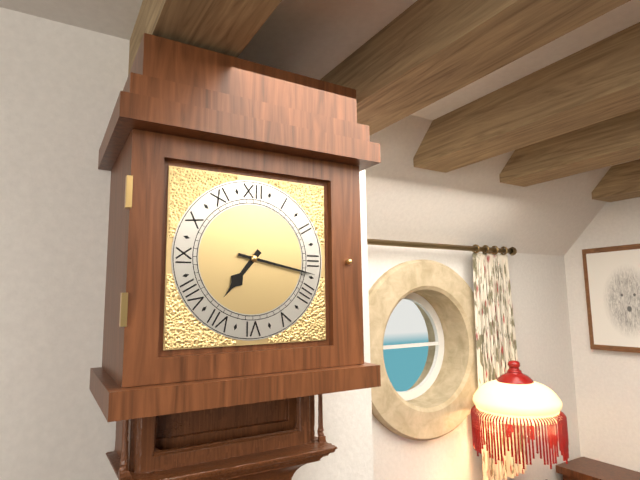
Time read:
7 h 17 min
